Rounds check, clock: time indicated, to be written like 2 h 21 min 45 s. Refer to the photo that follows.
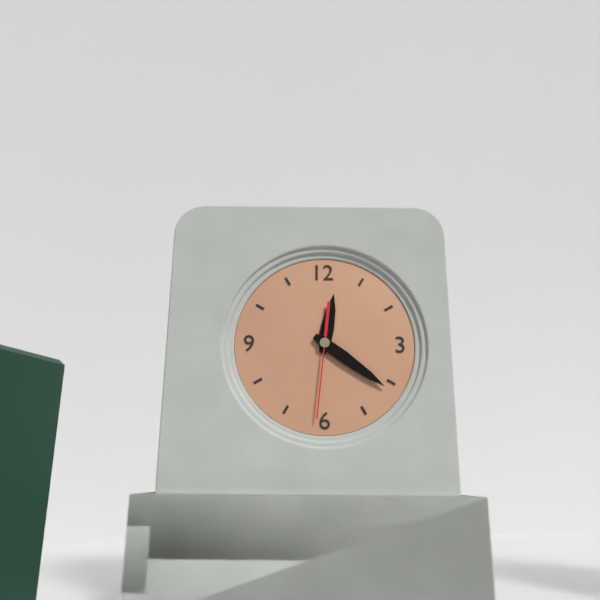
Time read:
12 h 21 min 31 s
